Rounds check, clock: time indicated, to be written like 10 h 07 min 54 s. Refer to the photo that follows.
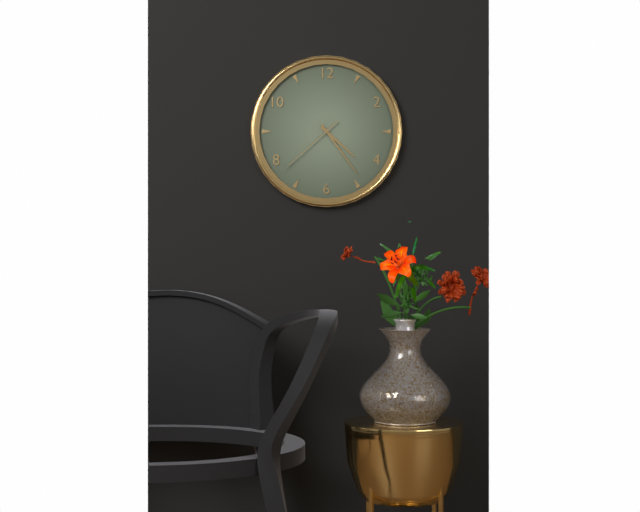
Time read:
4 h 24 min 38 s
